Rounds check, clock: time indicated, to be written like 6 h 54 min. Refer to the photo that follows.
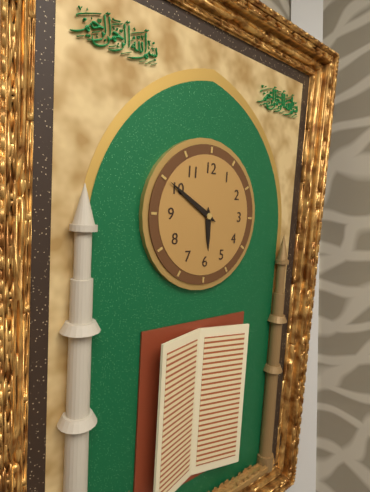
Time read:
5 h 50 min
